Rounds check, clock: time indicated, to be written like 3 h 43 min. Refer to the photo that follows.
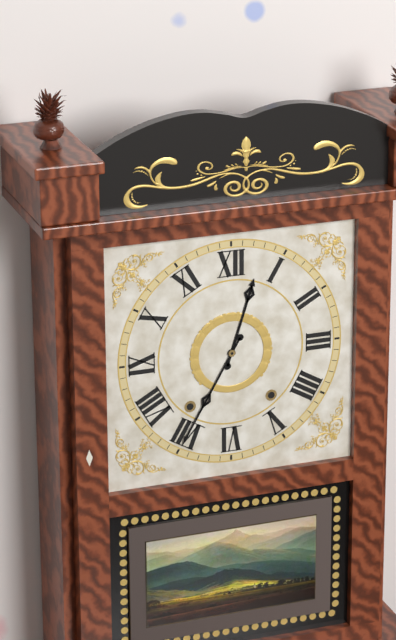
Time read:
12 h 35 min
